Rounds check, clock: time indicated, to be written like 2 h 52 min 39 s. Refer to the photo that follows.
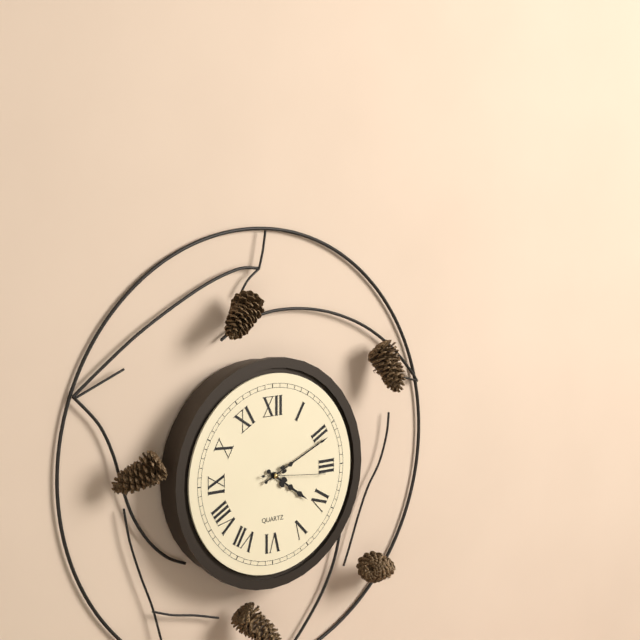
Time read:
4 h 11 min 16 s
